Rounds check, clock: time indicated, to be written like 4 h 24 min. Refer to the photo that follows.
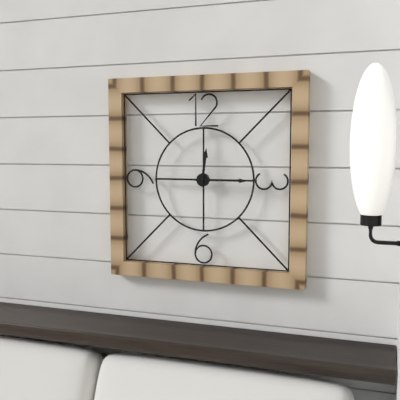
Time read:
12 h 15 min
